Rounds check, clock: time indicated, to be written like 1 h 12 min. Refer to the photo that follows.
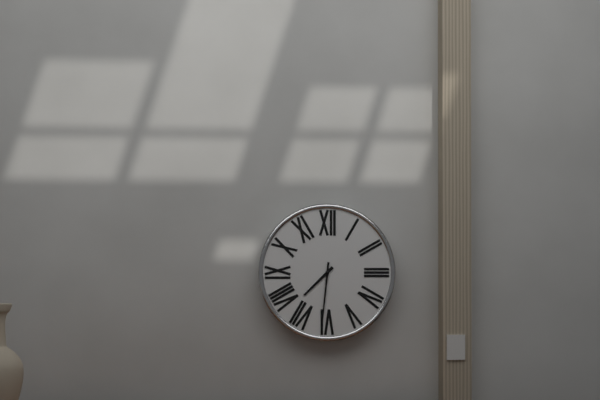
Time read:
7 h 31 min
